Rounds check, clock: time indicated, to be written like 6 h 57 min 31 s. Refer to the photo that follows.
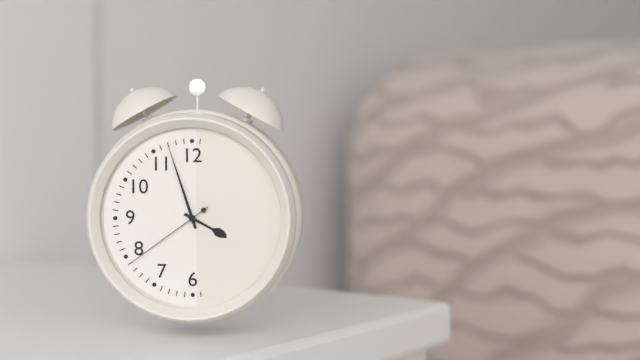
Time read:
3 h 57 min 39 s
